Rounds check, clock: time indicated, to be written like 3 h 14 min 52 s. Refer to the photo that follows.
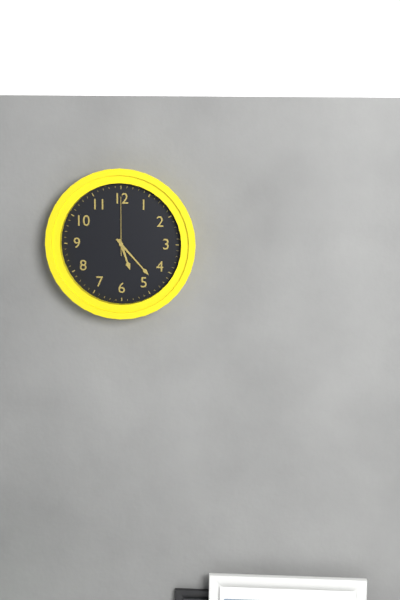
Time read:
5 h 23 min 00 s
